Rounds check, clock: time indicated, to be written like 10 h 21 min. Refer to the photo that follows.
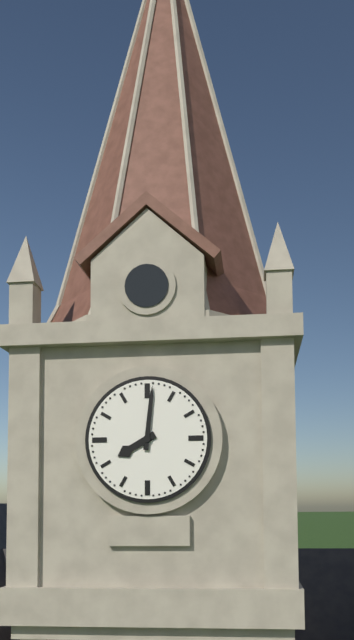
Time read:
8 h 01 min
